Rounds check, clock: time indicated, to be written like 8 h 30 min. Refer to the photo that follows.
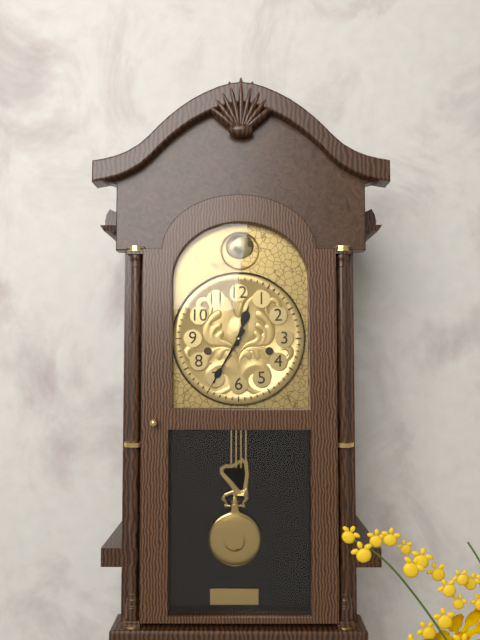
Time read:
12 h 35 min
